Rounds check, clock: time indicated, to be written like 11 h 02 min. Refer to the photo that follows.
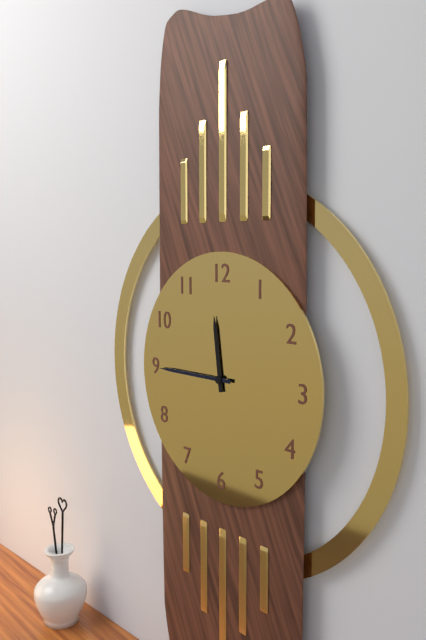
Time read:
11 h 45 min
